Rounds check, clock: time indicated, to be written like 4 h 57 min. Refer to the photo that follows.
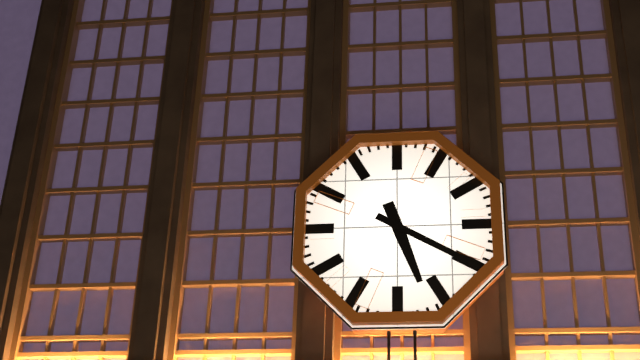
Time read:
5 h 20 min
